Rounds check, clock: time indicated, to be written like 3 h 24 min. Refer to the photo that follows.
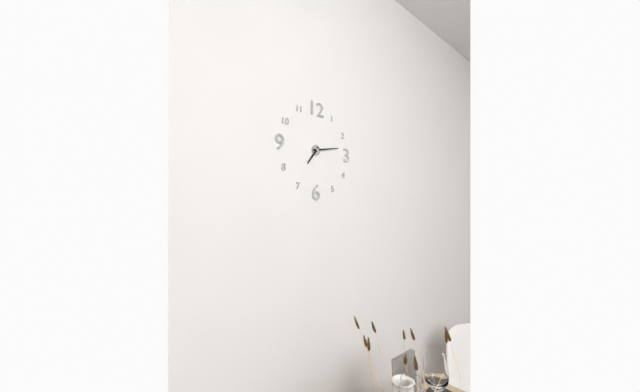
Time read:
7 h 13 min
